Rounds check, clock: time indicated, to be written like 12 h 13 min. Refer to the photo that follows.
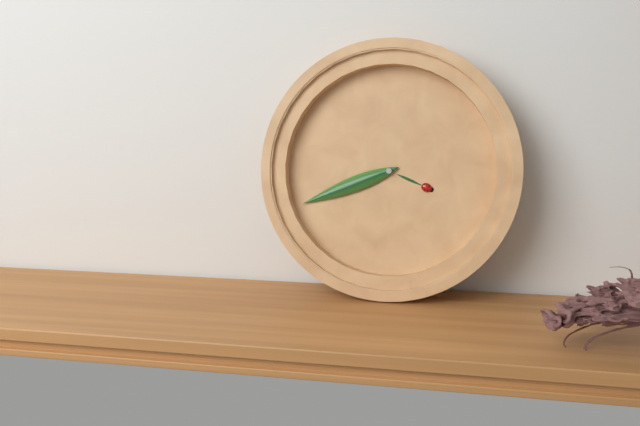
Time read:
3 h 41 min
